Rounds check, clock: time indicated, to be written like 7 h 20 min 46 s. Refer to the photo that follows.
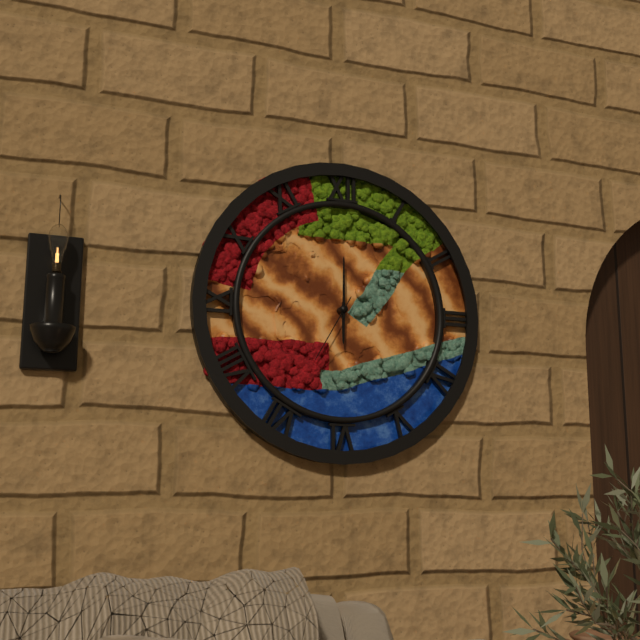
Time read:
6 h 00 min 35 s
